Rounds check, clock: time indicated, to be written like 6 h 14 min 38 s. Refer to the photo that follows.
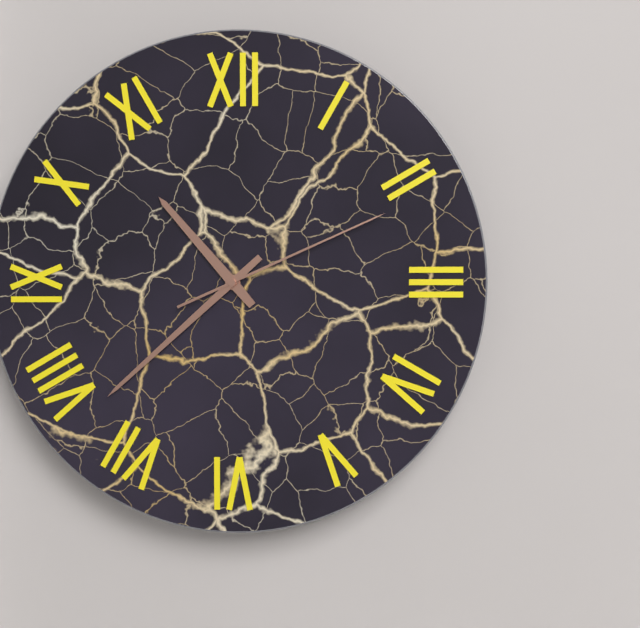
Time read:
10 h 38 min 11 s
